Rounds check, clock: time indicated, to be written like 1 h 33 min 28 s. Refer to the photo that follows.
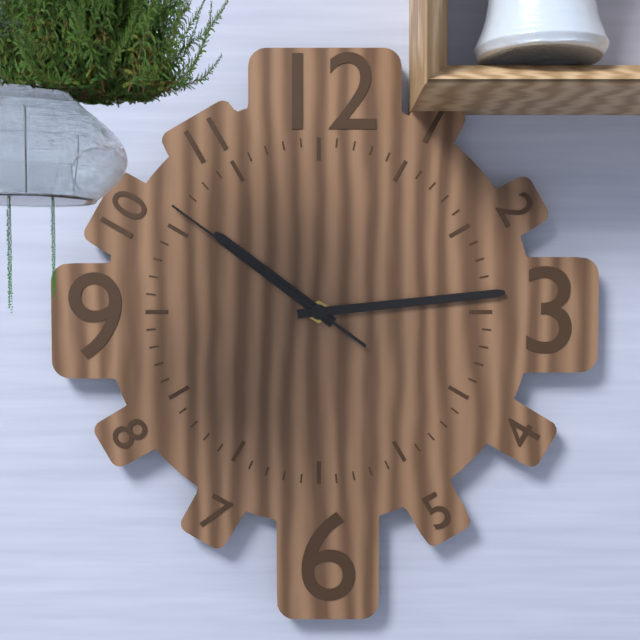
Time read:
10 h 14 min 51 s
